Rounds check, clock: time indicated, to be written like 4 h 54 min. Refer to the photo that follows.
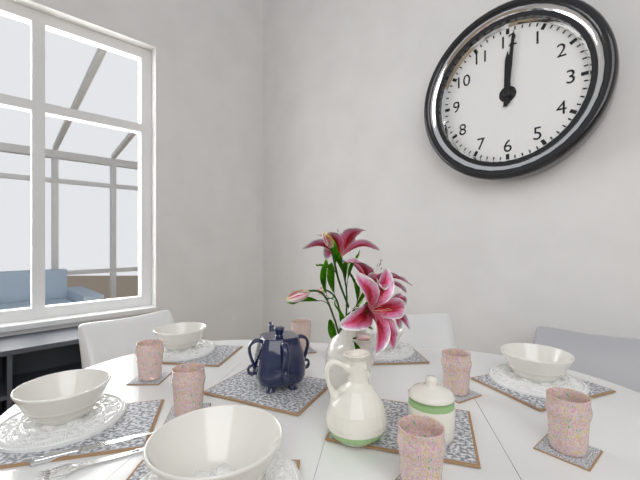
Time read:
12 h 01 min
